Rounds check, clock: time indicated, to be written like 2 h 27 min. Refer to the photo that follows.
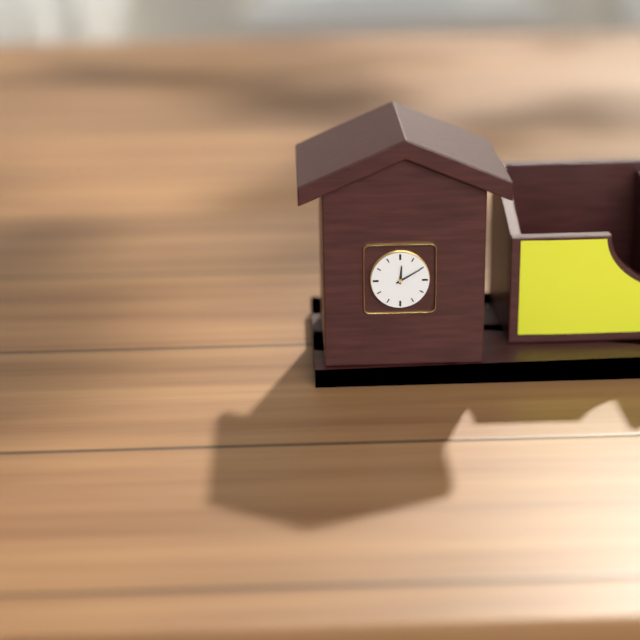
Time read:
12 h 10 min
